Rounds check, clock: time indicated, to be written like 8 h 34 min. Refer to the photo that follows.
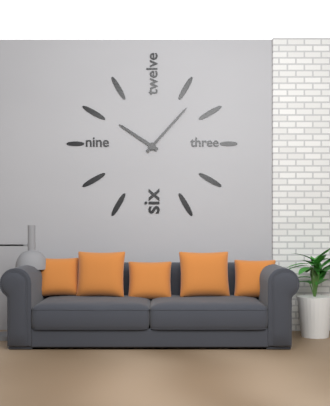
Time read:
10 h 07 min
